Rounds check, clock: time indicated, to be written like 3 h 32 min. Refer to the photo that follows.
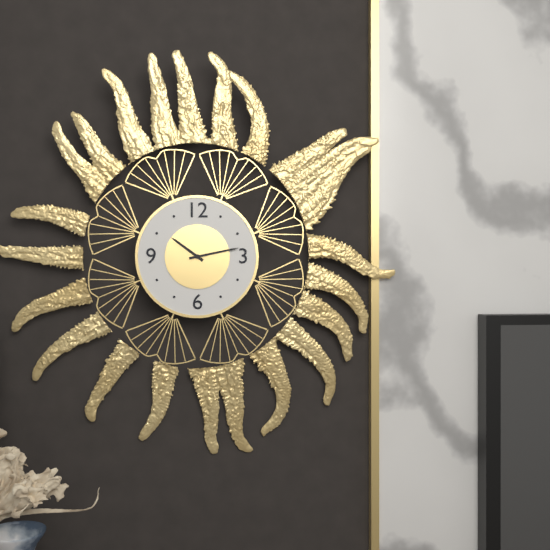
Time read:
10 h 13 min
